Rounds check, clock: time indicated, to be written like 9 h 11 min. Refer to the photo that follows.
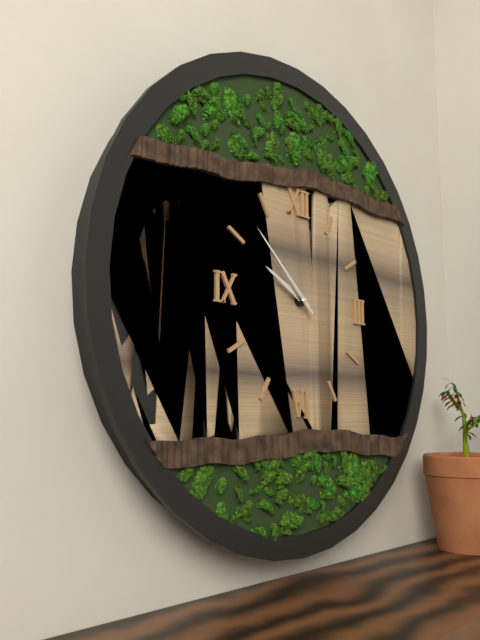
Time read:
9 h 52 min
